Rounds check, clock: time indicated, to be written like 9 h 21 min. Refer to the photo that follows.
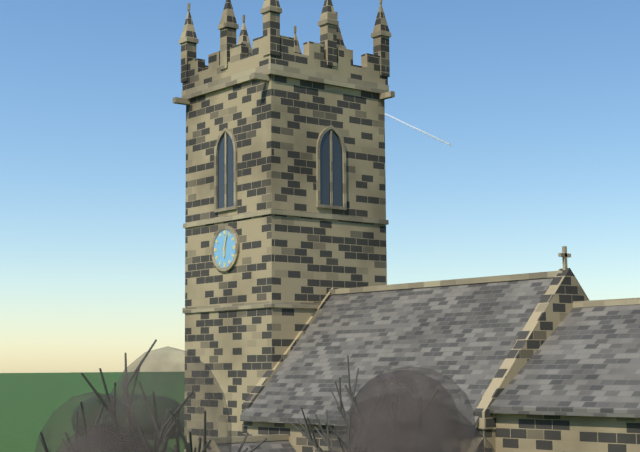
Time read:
6 h 03 min
